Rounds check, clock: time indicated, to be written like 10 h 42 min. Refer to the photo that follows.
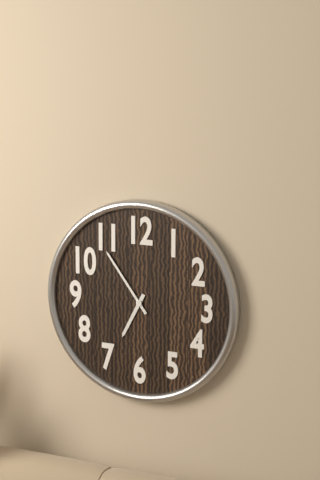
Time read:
6 h 54 min
